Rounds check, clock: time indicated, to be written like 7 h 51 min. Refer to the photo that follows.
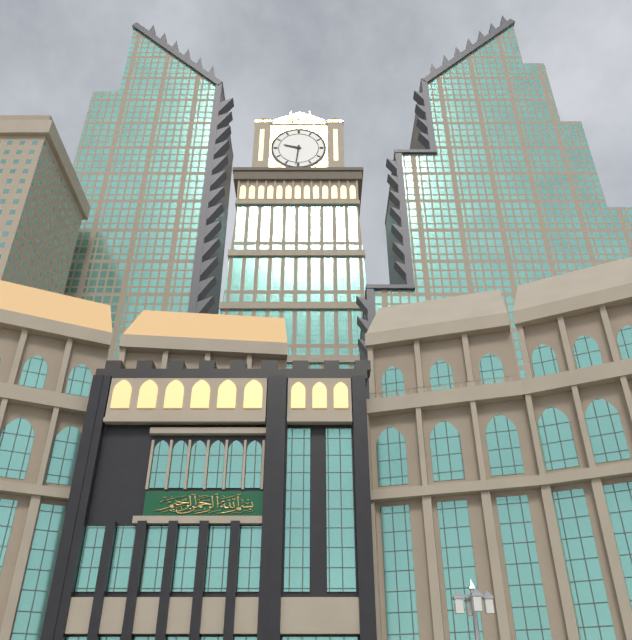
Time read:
9 h 31 min
